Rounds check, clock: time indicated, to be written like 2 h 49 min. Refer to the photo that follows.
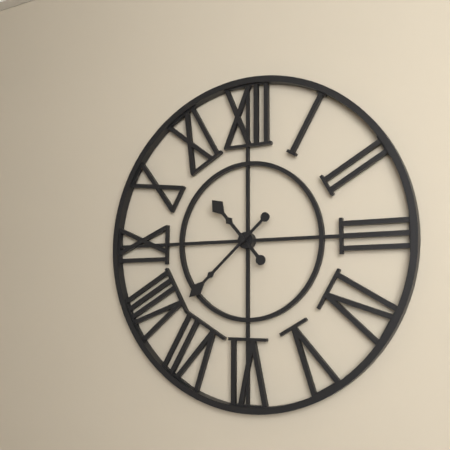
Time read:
10 h 38 min
